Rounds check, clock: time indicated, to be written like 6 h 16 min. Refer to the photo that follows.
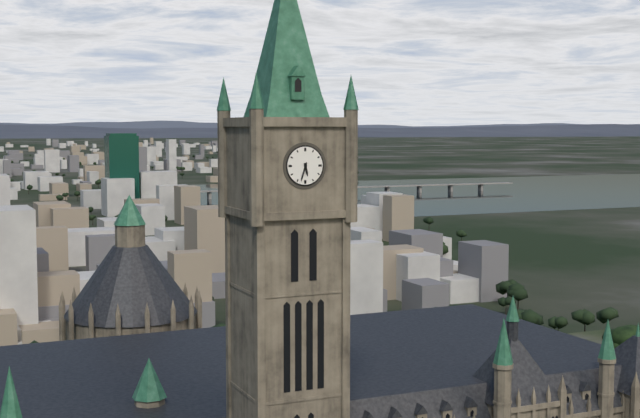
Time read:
5 h 33 min
